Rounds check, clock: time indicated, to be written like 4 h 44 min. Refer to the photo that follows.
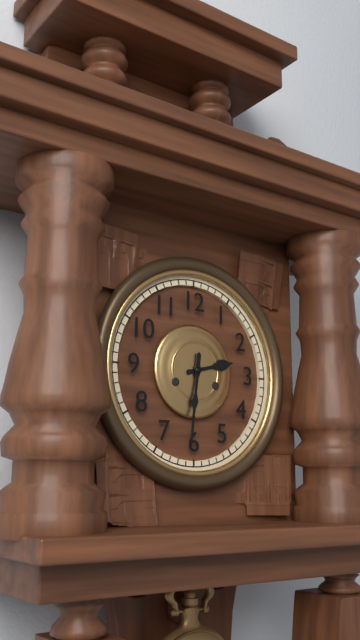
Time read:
2 h 31 min
